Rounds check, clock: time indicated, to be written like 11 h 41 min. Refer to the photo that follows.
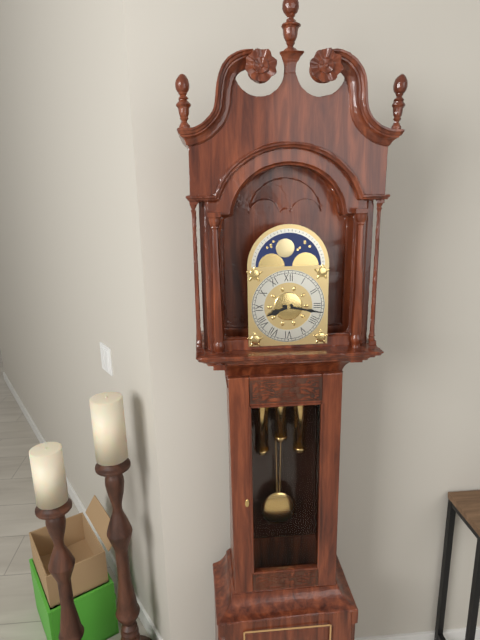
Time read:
8 h 17 min
